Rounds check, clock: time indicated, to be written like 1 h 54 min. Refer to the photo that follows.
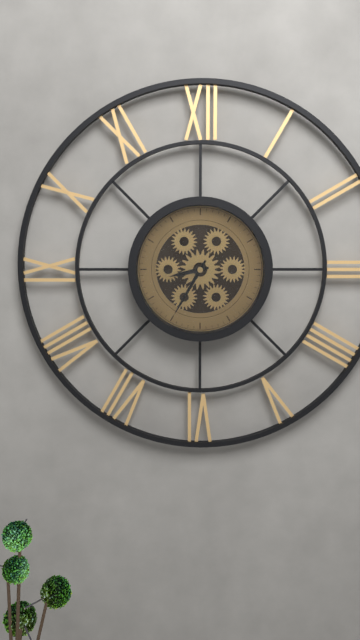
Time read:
8 h 35 min
